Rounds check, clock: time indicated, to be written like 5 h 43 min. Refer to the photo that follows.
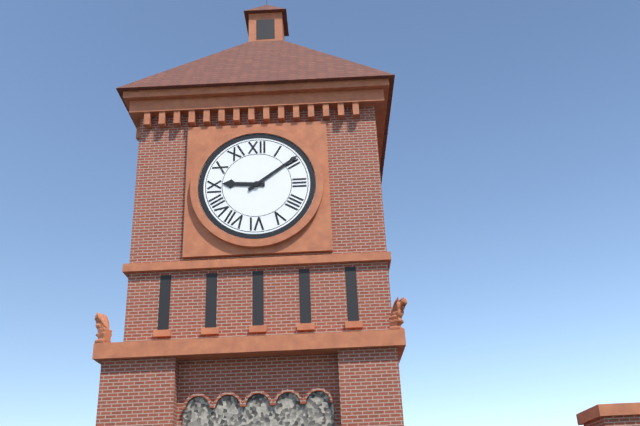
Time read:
9 h 09 min
